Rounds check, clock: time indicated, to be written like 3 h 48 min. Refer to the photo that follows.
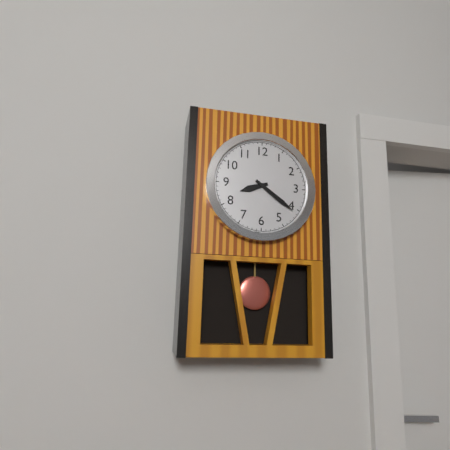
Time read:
8 h 21 min
